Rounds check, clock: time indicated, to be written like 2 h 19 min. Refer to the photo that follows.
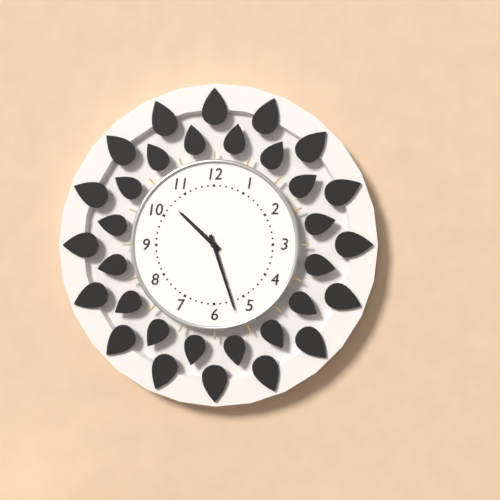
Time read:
10 h 27 min
